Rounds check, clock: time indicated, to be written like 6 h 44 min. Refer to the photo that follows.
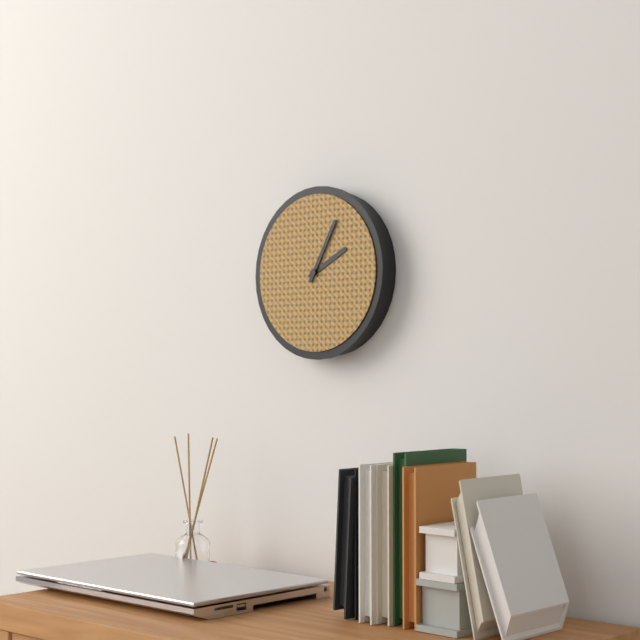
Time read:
2 h 05 min
